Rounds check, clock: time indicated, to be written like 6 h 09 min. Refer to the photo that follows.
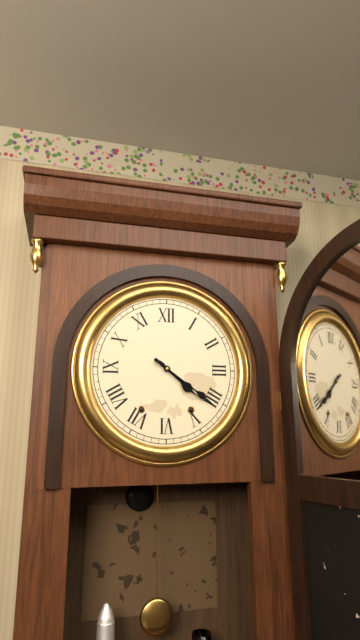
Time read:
4 h 21 min
